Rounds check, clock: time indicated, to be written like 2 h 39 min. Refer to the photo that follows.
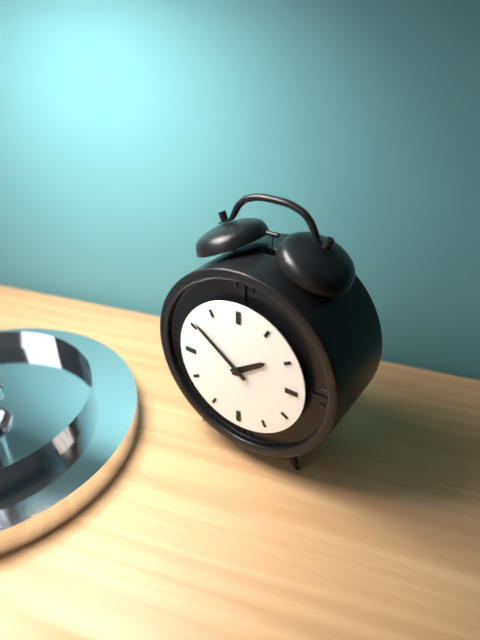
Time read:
1 h 51 min
